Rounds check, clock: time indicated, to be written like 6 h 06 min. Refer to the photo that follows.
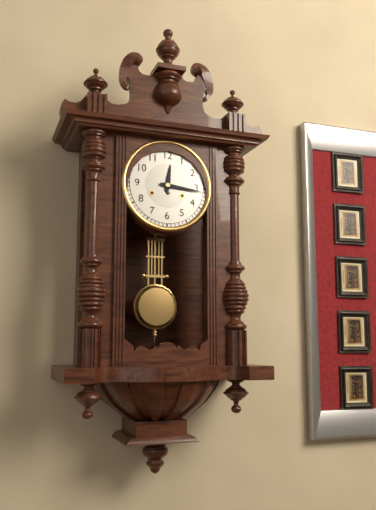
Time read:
12 h 16 min
